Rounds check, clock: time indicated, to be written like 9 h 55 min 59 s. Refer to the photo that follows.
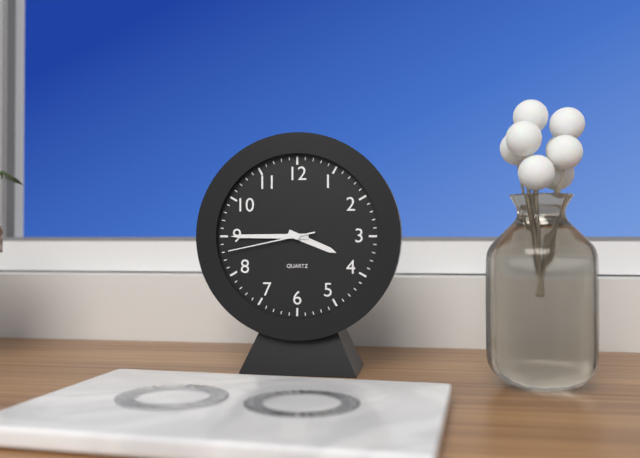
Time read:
3 h 45 min 43 s
